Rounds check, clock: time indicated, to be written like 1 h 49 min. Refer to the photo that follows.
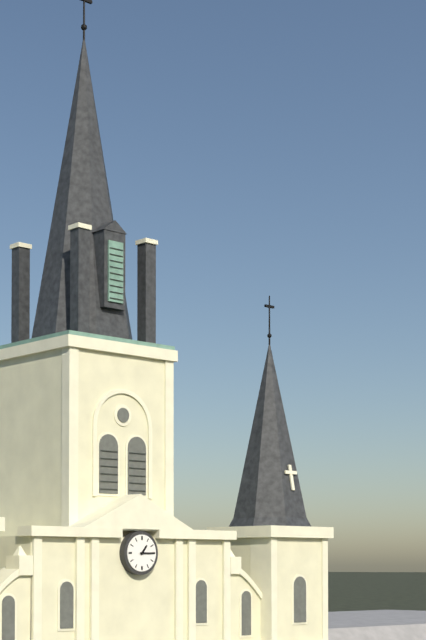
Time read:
1 h 15 min
